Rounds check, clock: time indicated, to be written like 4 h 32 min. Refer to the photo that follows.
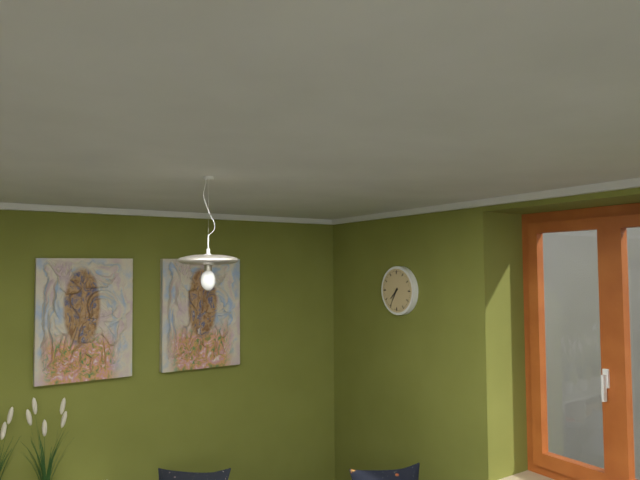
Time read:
7 h 35 min
